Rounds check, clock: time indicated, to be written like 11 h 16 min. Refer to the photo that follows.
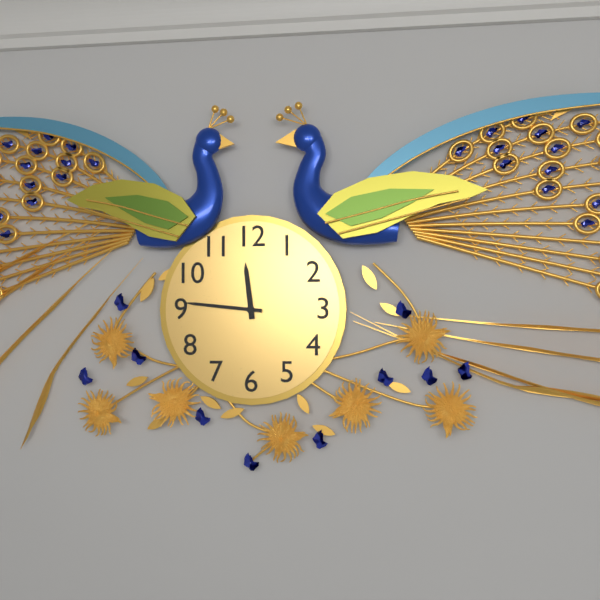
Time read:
11 h 46 min
